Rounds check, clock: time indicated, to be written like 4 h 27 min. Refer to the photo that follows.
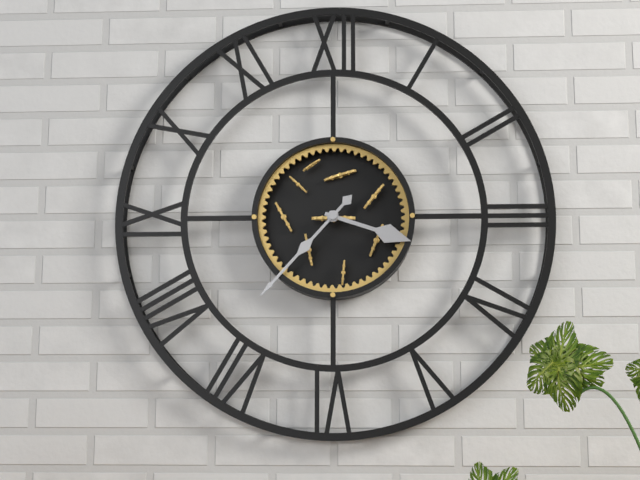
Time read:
3 h 37 min
